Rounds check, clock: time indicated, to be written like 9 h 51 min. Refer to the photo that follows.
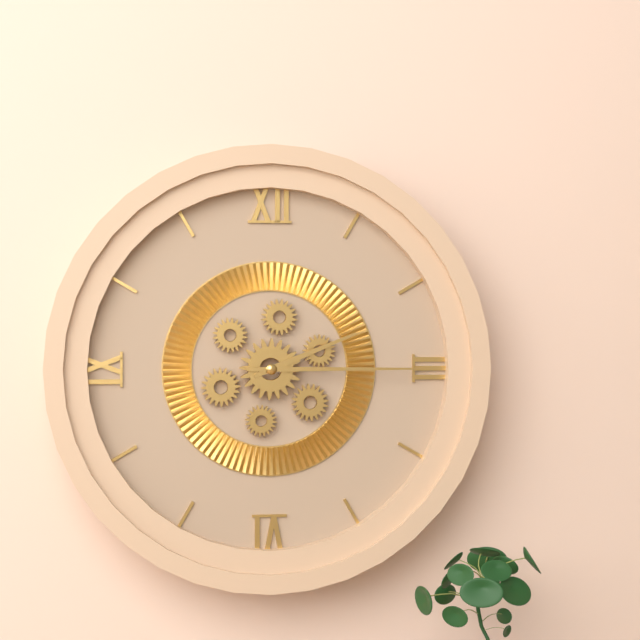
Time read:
2 h 15 min
